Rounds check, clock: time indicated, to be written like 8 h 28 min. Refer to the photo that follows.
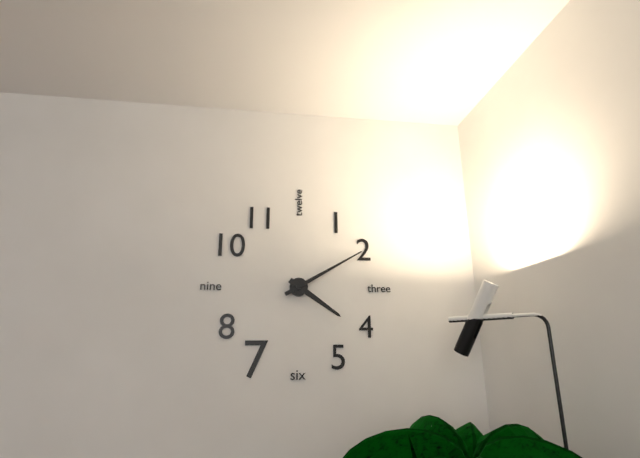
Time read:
4 h 10 min
